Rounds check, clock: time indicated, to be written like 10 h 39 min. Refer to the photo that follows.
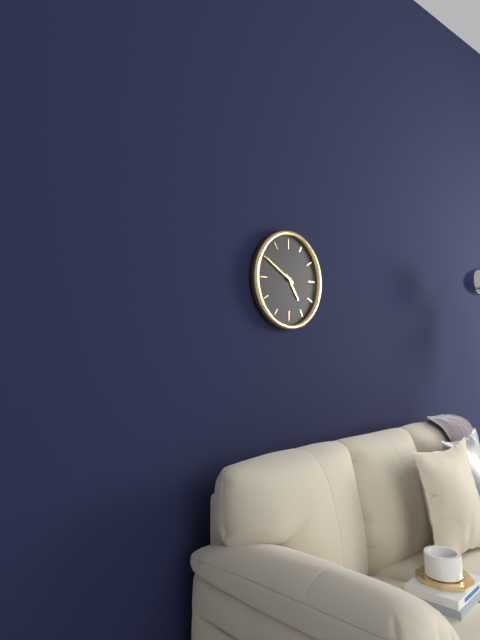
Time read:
4 h 50 min
